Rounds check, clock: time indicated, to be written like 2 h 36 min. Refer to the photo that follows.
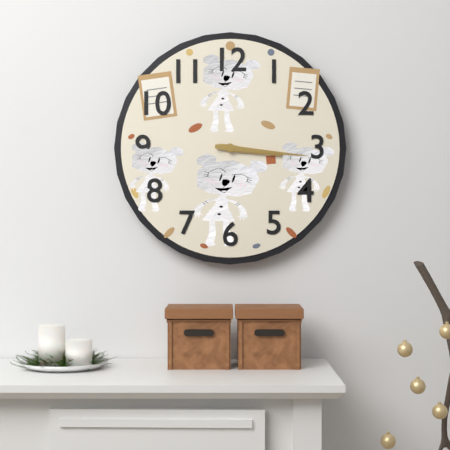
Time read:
3 h 16 min
